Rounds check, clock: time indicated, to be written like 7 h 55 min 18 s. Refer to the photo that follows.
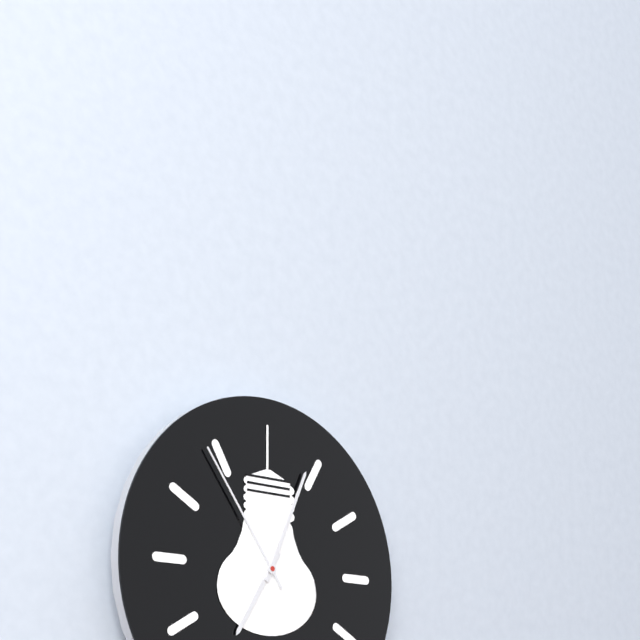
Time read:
7 h 04 min 54 s
